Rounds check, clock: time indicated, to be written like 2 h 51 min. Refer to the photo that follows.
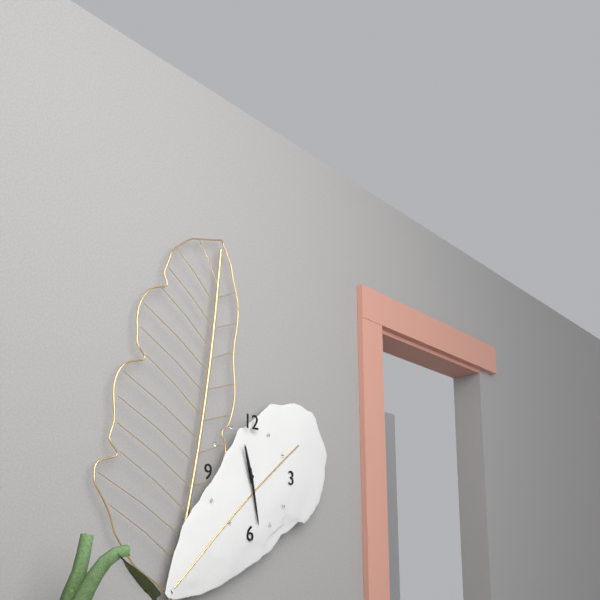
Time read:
11 h 28 min
